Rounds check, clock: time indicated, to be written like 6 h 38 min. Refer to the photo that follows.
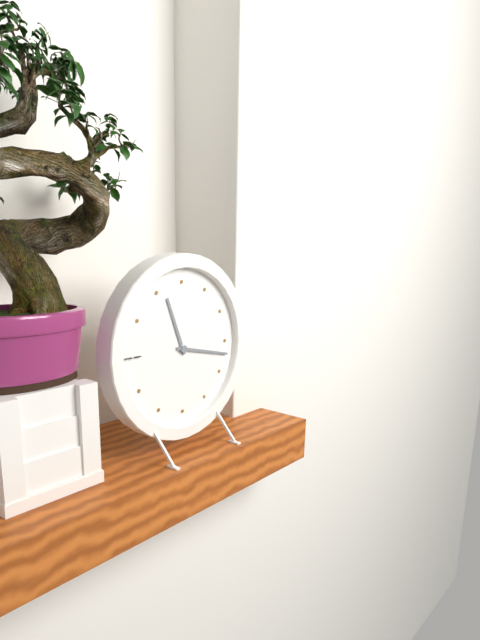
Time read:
11 h 17 min
